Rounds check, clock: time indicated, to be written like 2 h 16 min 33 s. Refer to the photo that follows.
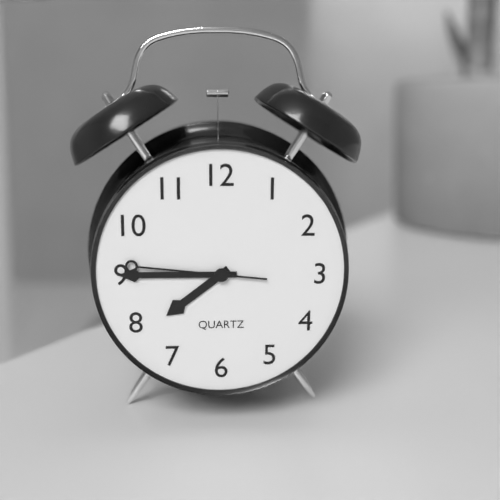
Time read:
7 h 45 min 46 s
